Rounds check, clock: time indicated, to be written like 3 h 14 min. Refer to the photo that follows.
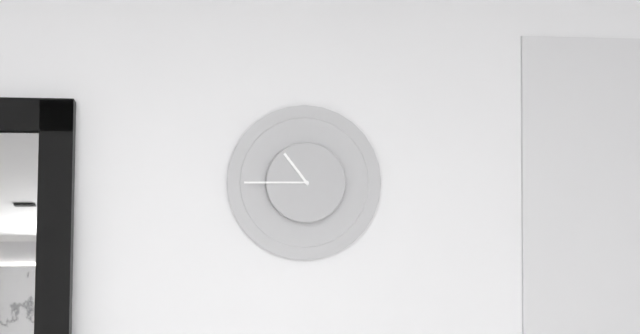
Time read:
10 h 45 min
